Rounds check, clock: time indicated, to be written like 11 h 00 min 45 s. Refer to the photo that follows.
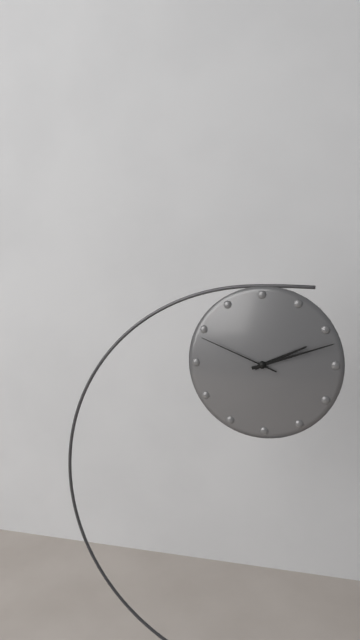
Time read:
2 h 12 min 49 s
